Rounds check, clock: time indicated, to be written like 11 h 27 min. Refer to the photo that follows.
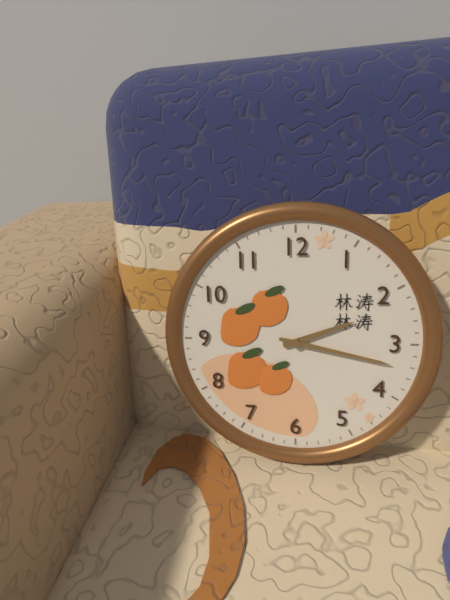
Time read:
2 h 17 min
